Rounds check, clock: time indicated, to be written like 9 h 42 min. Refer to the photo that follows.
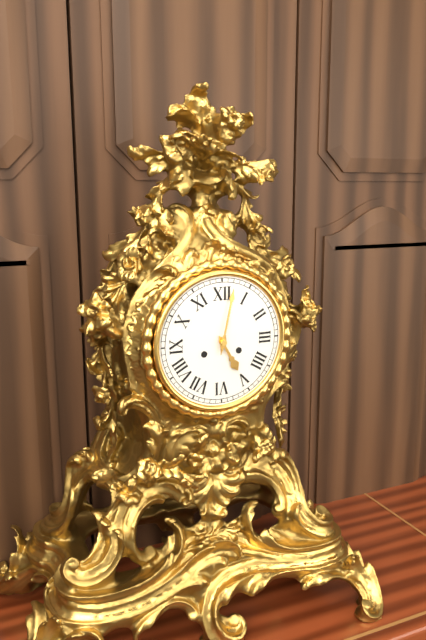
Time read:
5 h 02 min
